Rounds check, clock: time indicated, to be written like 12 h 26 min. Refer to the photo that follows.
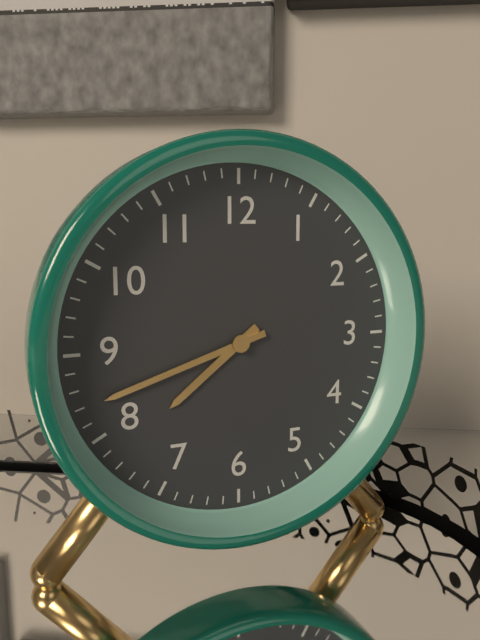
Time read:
7 h 42 min
